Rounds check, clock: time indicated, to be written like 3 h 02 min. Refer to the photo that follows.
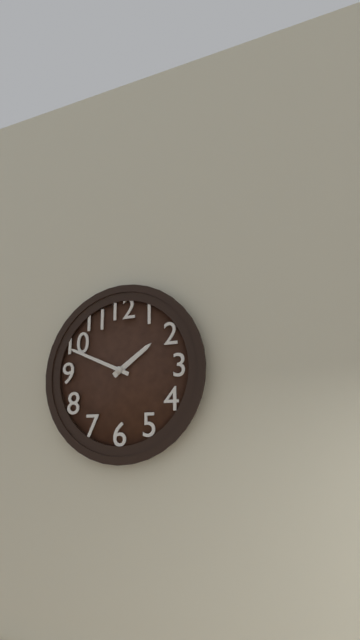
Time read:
1 h 49 min
